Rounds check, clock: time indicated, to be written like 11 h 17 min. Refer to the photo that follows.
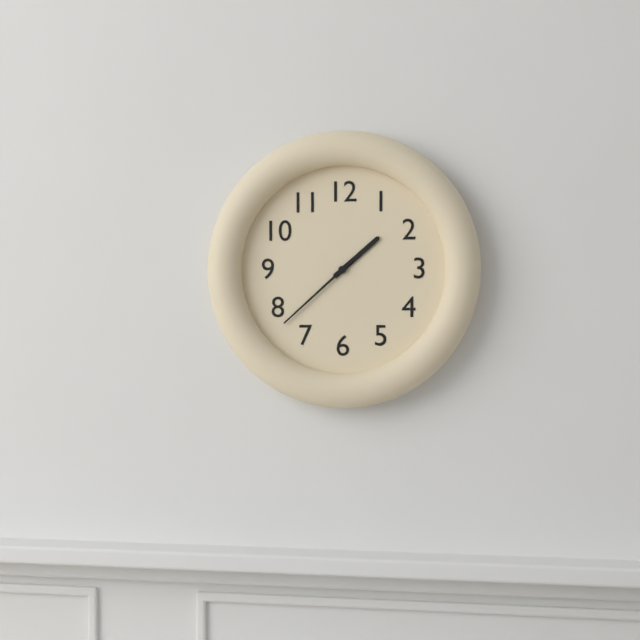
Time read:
1 h 38 min
